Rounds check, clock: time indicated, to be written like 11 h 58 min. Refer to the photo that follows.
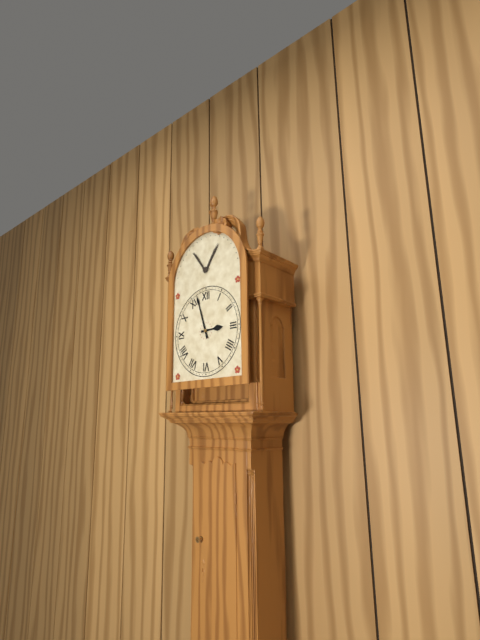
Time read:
2 h 57 min
